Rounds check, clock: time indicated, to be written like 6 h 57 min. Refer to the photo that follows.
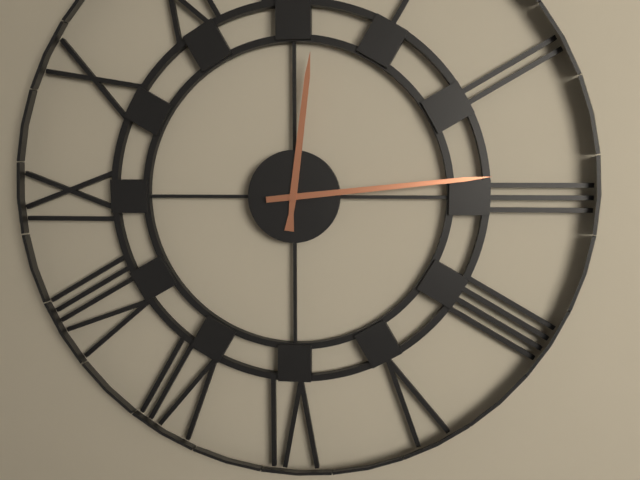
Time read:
12 h 14 min
